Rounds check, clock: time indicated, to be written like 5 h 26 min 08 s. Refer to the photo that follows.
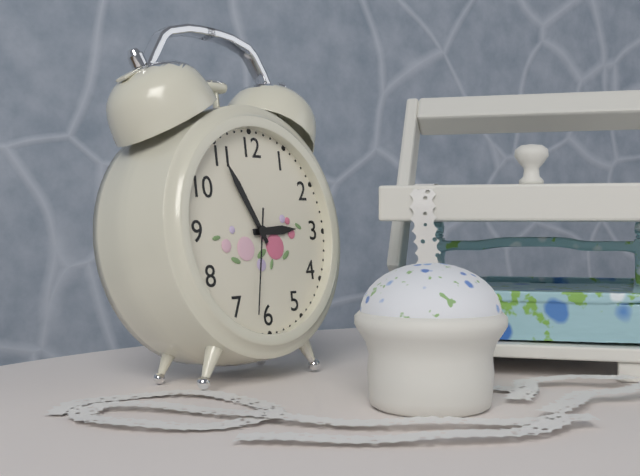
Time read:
2 h 55 min 32 s
